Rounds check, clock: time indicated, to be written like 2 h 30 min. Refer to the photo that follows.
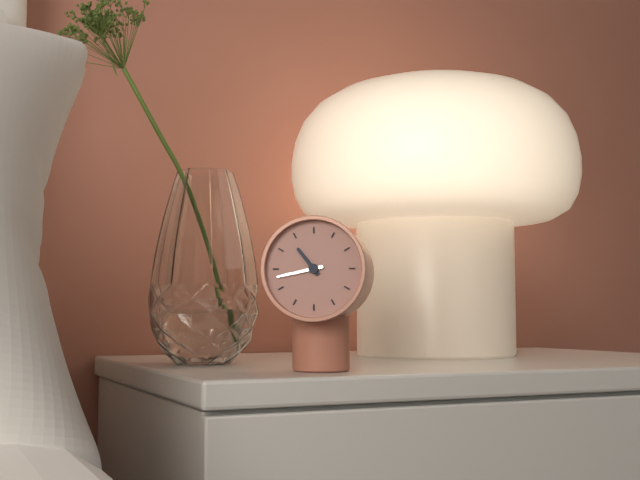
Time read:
10 h 43 min
